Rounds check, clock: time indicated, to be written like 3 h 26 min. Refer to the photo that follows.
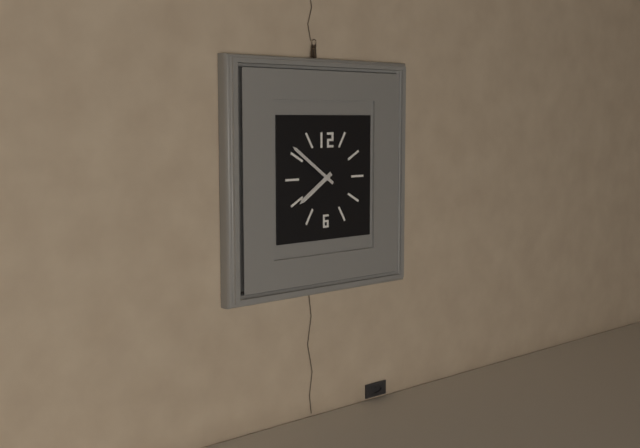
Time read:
7 h 51 min
